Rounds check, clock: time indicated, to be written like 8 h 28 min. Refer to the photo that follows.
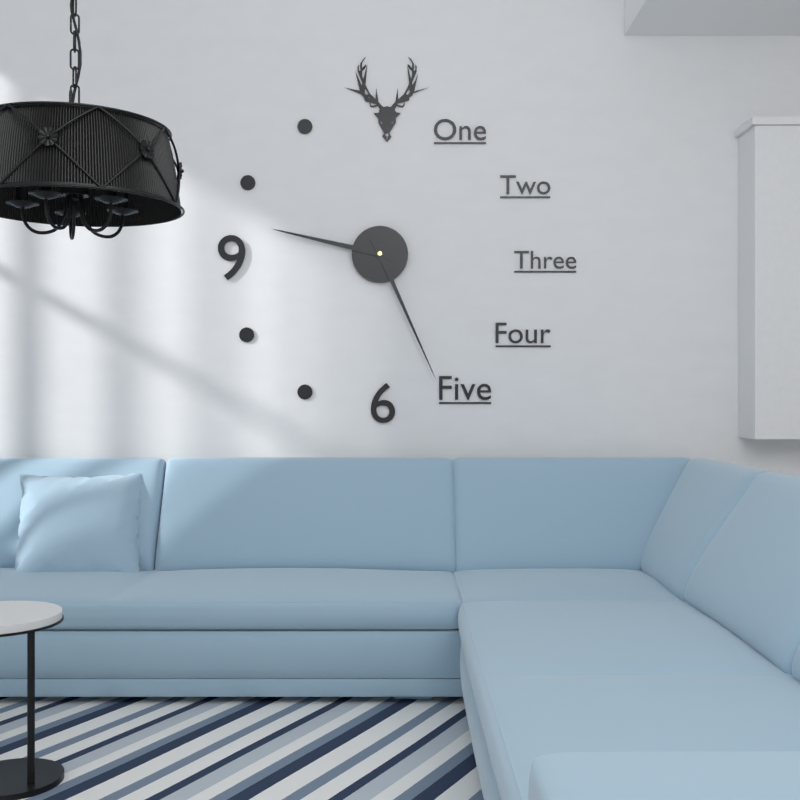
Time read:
9 h 26 min
